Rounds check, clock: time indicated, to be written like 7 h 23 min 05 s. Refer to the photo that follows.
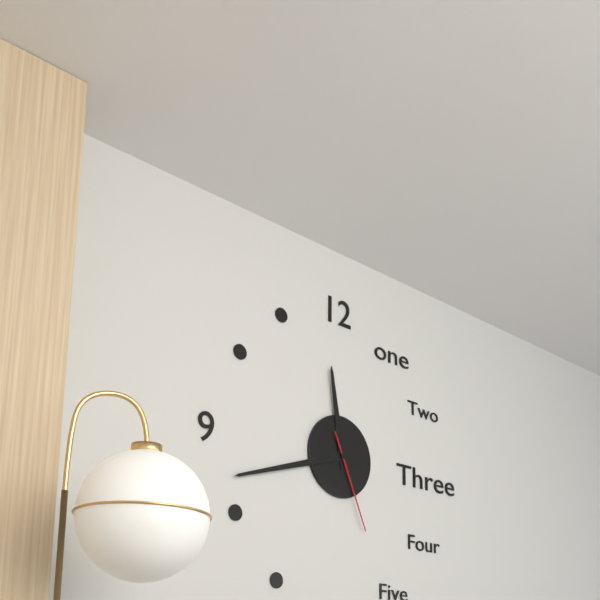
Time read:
11 h 42 min 26 s
